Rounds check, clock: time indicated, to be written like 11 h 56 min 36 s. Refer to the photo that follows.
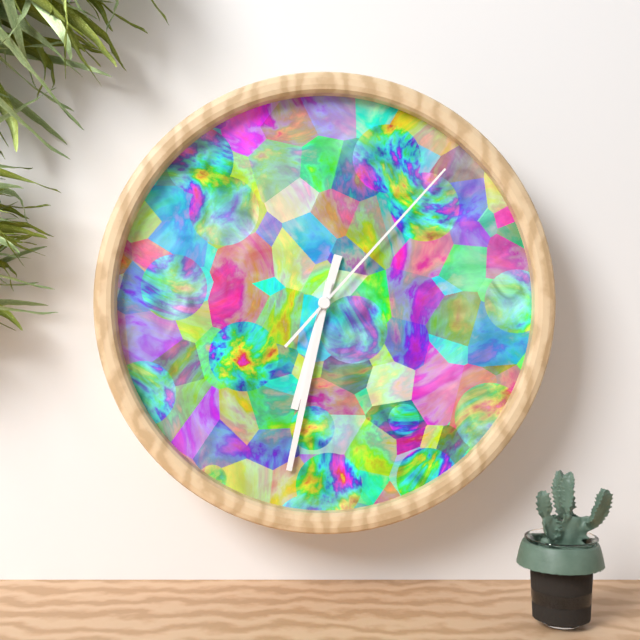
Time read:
6 h 32 min 07 s
